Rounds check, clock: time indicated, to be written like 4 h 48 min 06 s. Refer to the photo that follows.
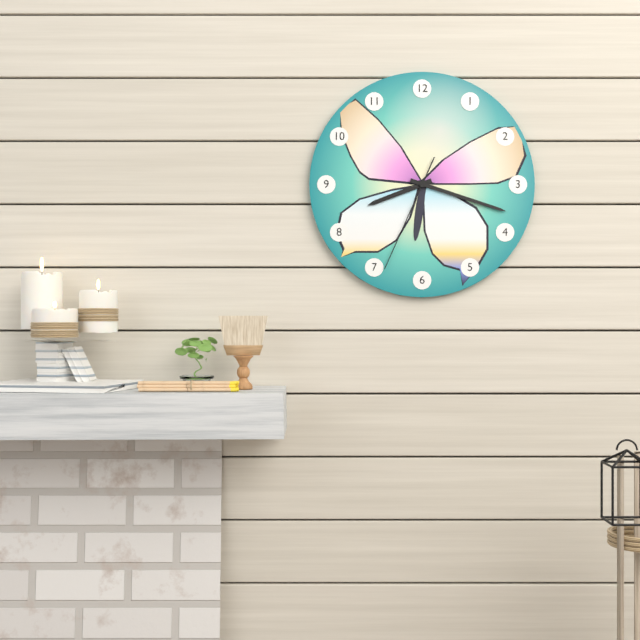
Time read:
8 h 18 min 34 s
